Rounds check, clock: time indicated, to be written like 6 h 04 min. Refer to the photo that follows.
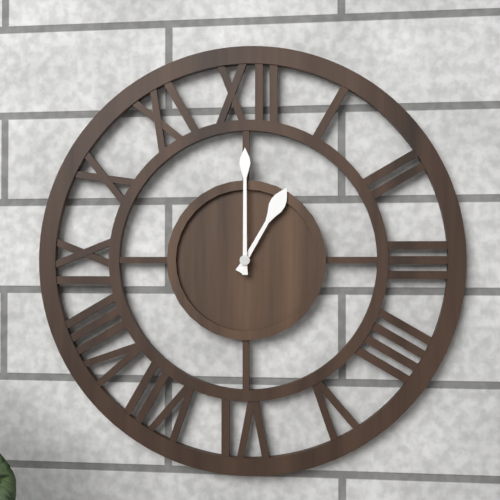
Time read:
1 h 00 min
